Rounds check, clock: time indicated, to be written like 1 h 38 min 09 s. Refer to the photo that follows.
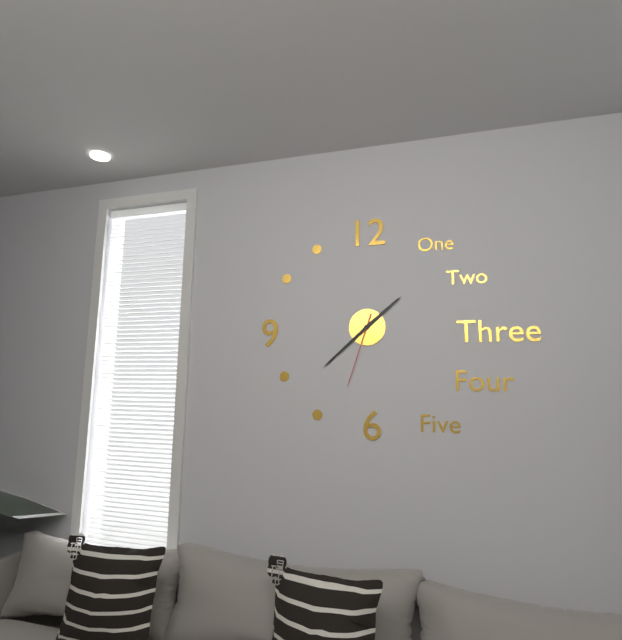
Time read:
1 h 38 min 33 s
